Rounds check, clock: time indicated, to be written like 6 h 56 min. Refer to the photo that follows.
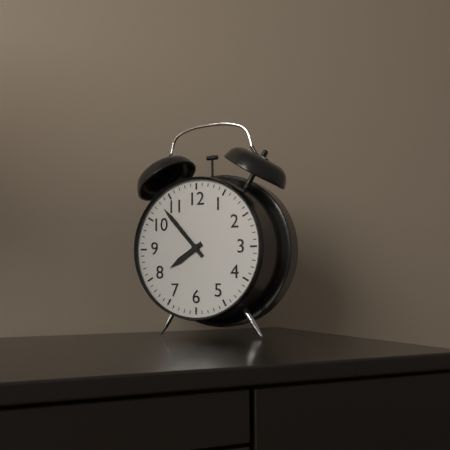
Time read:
7 h 53 min
